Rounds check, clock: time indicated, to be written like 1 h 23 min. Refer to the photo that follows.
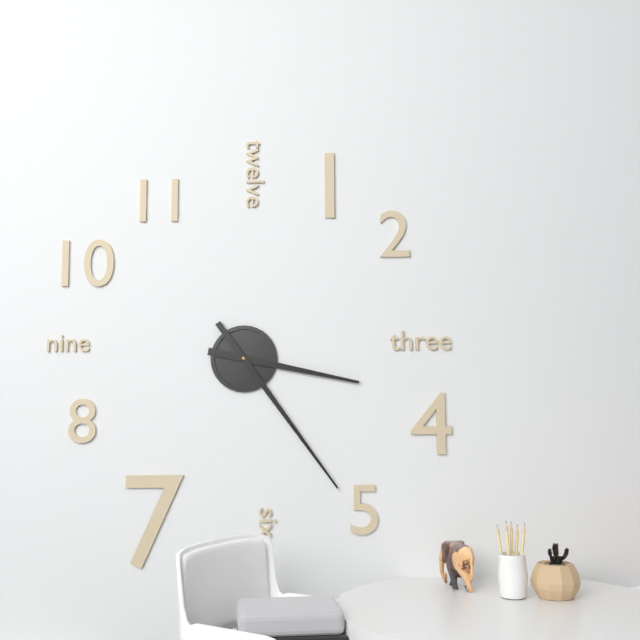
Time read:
3 h 24 min
